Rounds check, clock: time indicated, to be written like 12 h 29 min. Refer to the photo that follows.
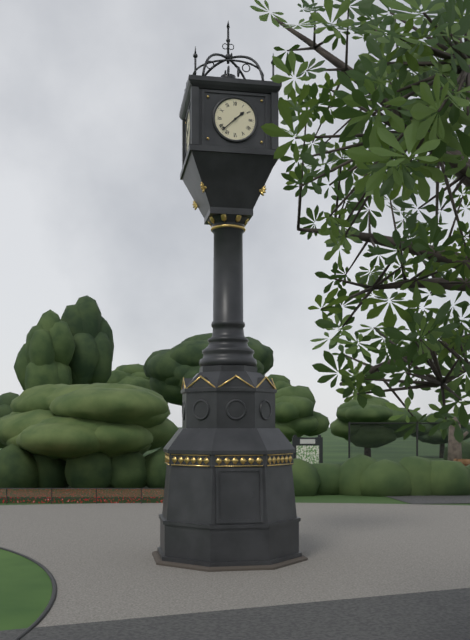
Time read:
1 h 38 min
